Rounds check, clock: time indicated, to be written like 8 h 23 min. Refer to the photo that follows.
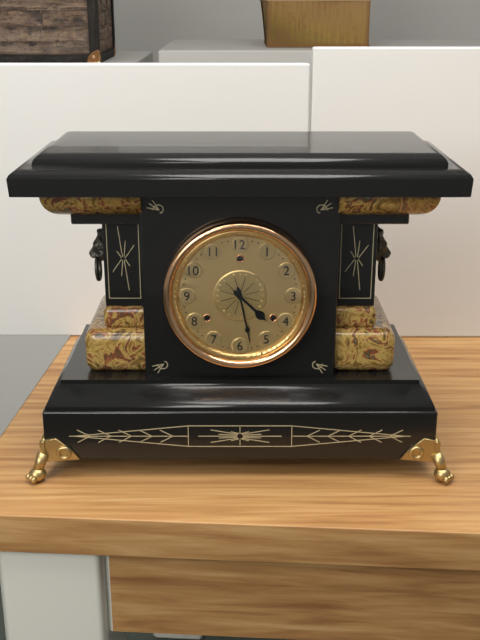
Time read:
4 h 28 min
